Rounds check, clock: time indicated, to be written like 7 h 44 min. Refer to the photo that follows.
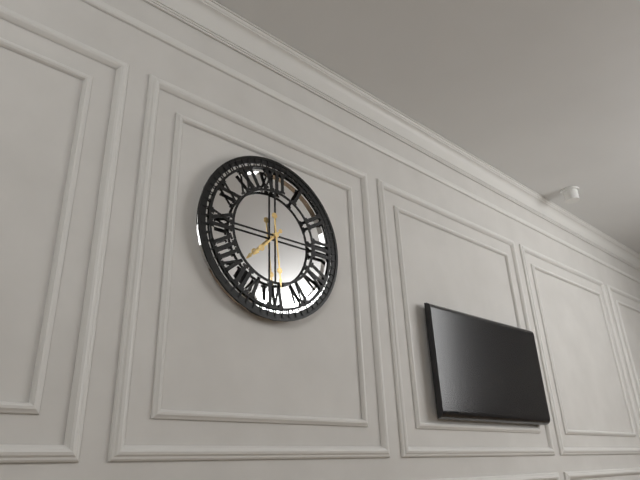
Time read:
7 h 29 min
